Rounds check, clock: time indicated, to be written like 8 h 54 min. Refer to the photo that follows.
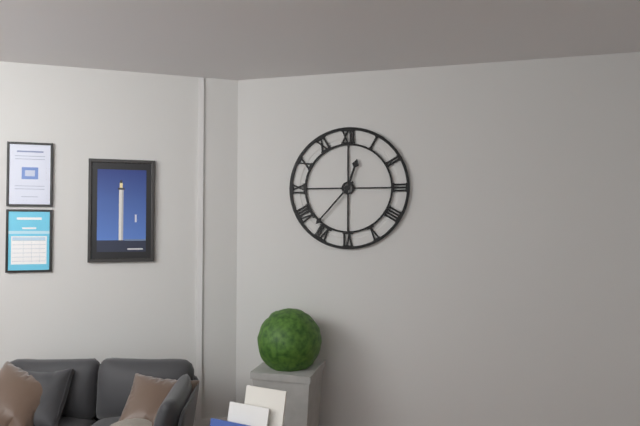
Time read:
12 h 37 min
